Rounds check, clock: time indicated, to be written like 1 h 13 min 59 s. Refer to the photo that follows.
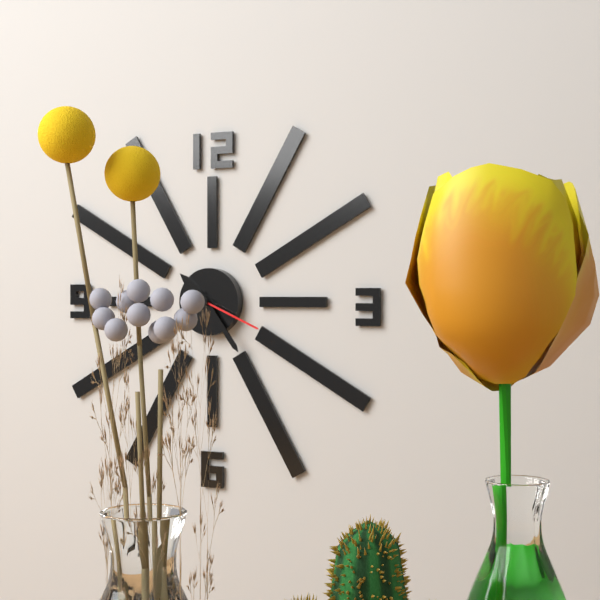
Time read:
10 h 24 min 19 s
